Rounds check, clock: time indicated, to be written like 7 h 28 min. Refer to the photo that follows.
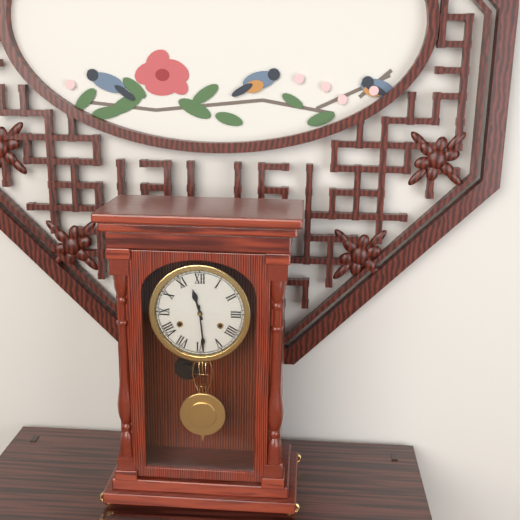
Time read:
11 h 29 min
